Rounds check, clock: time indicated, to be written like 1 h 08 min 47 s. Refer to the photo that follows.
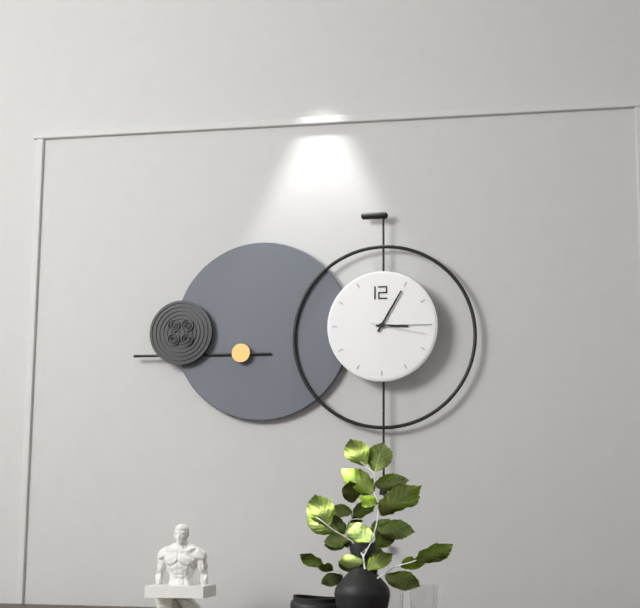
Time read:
3 h 05 min 17 s
